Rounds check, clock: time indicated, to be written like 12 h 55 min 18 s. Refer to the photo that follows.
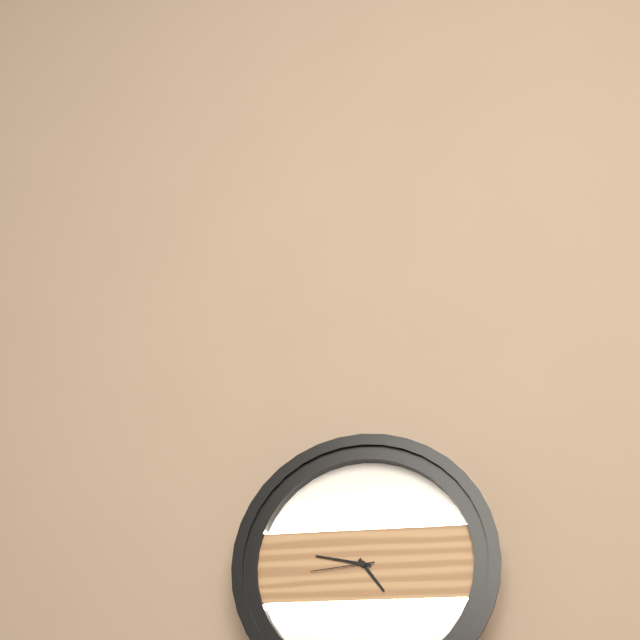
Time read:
4 h 47 min 44 s
